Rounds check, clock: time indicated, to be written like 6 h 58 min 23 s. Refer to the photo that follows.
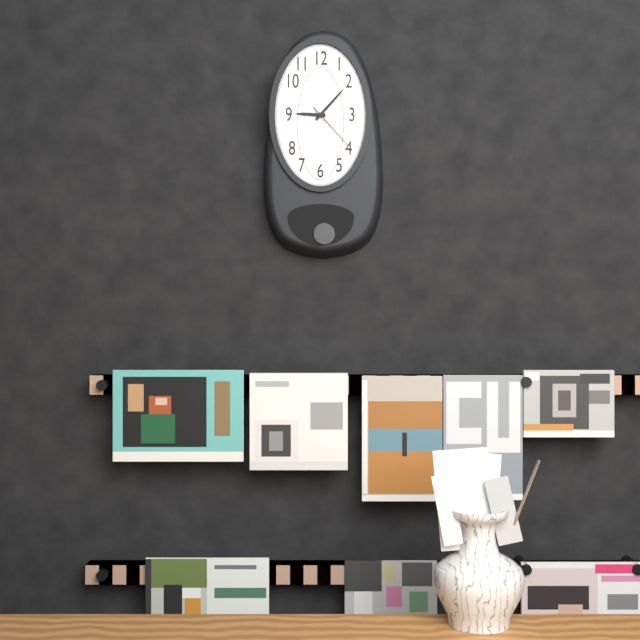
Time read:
9 h 07 min 23 s
